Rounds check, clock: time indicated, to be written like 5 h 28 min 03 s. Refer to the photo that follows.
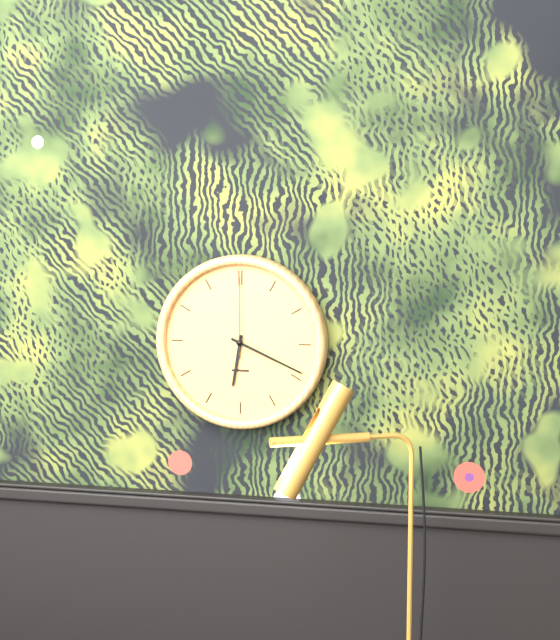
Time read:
6 h 19 min 00 s
